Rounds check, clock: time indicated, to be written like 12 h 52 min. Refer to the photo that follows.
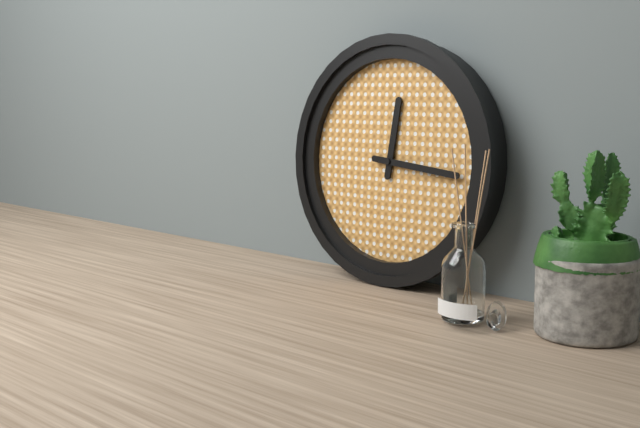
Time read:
12 h 16 min
